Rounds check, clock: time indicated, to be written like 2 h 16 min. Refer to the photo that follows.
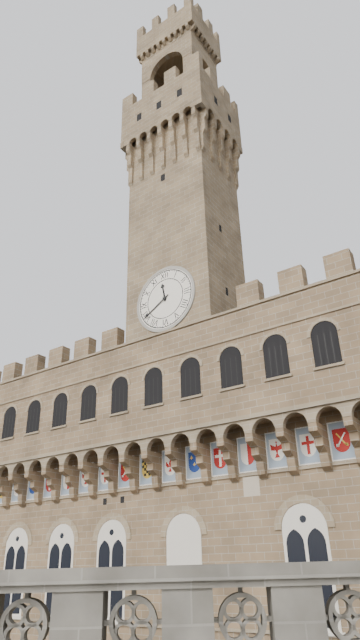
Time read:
11 h 40 min
